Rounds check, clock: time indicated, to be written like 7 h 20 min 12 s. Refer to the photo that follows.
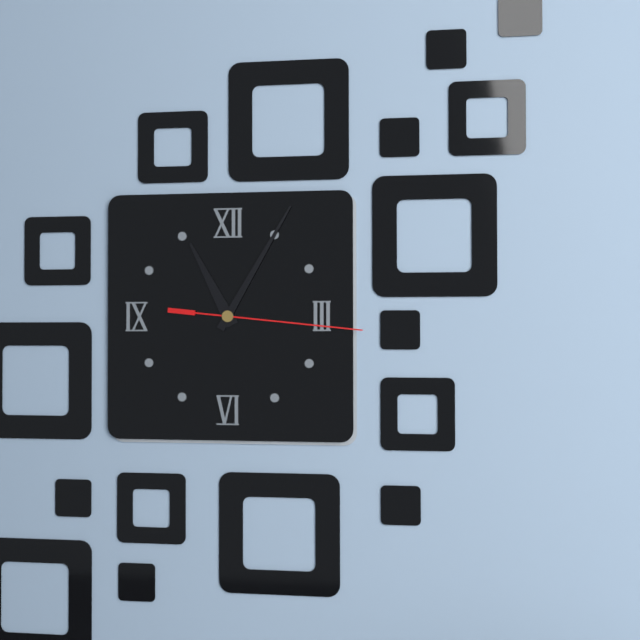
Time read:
11 h 05 min 16 s
